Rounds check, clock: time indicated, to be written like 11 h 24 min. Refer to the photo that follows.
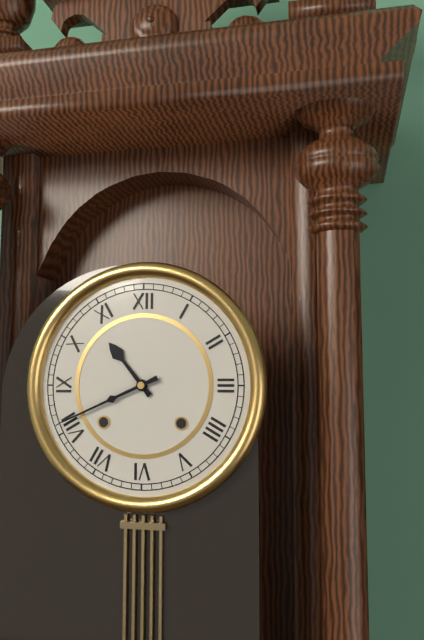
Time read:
10 h 41 min
